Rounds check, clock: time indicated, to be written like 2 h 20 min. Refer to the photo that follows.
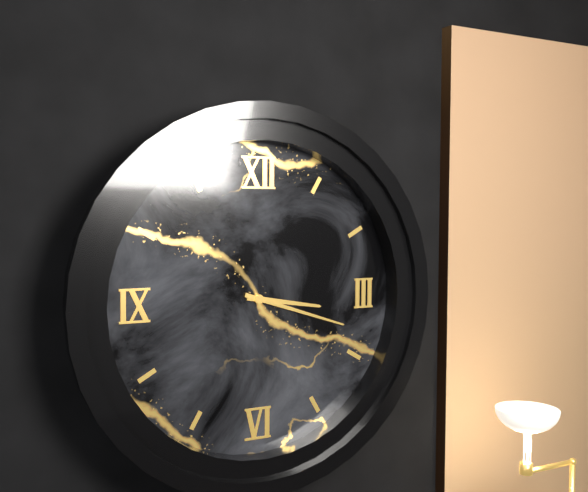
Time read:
3 h 18 min
